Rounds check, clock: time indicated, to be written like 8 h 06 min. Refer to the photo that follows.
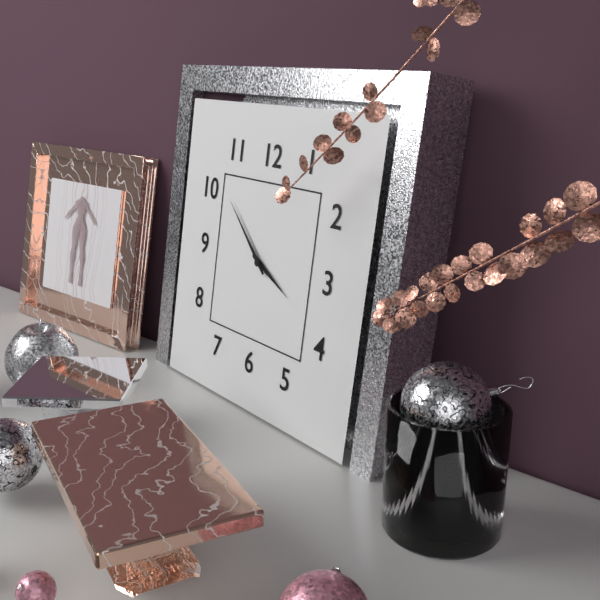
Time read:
3 h 52 min
